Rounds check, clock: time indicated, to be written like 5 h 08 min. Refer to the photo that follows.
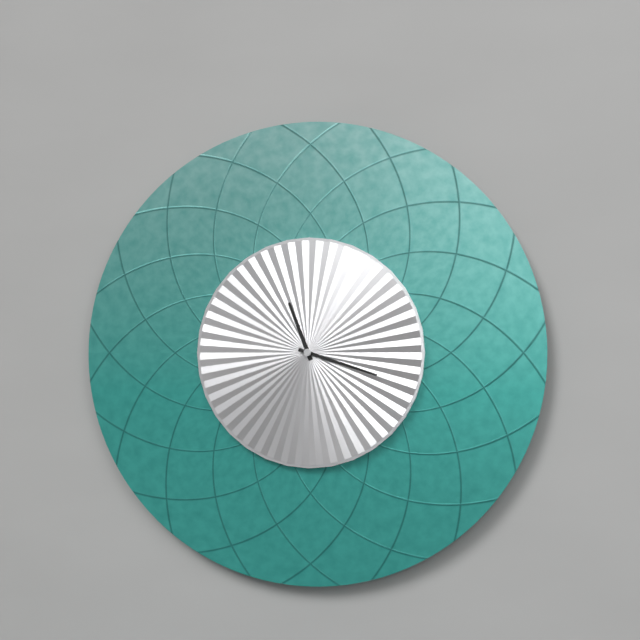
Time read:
11 h 18 min
